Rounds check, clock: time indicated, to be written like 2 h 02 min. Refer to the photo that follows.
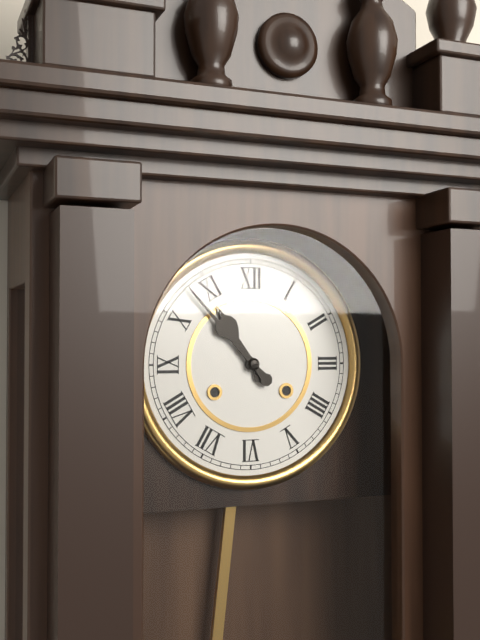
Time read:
10 h 53 min
